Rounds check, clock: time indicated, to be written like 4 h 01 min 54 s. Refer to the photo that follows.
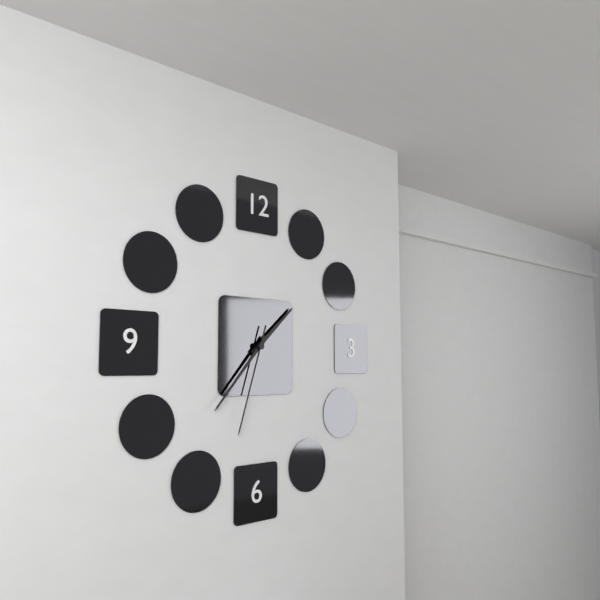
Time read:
1 h 37 min 33 s
